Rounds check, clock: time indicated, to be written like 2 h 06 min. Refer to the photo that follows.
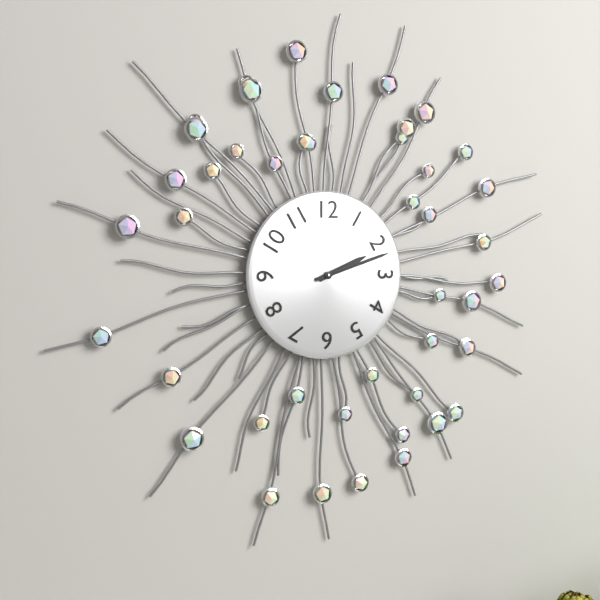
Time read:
2 h 12 min
